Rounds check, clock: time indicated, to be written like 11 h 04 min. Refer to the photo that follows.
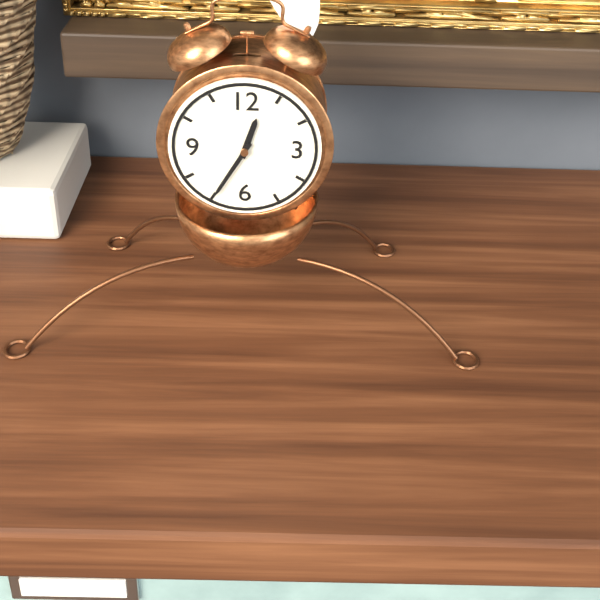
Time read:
12 h 35 min
